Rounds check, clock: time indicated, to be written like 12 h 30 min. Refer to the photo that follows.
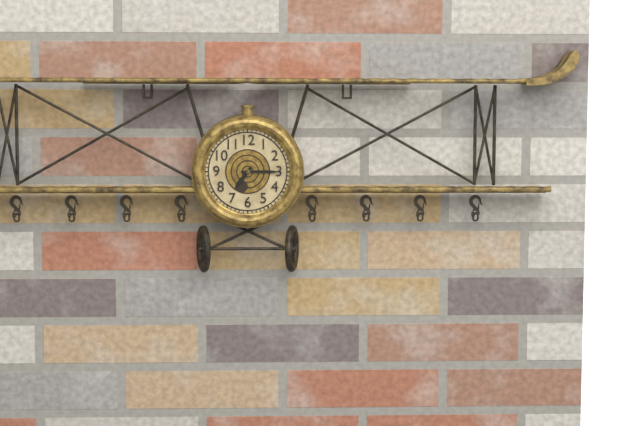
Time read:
7 h 15 min
